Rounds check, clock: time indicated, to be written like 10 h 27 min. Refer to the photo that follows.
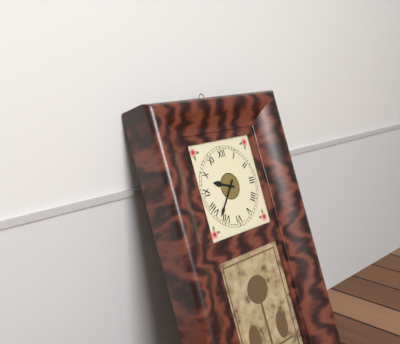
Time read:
9 h 37 min
